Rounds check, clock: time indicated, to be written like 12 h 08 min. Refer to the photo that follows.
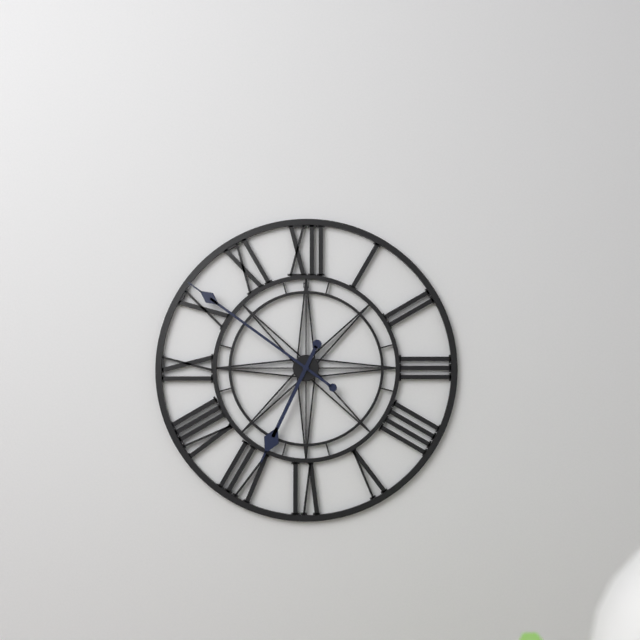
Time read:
6 h 51 min
